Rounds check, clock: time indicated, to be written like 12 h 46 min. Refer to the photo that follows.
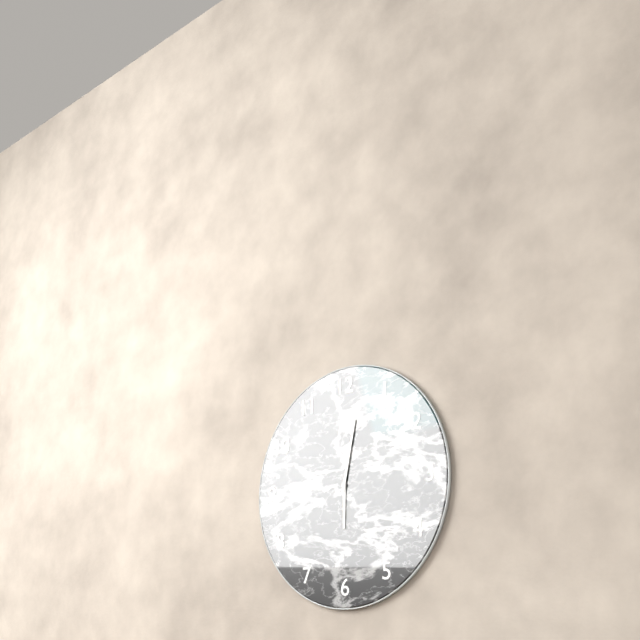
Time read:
6 h 02 min
